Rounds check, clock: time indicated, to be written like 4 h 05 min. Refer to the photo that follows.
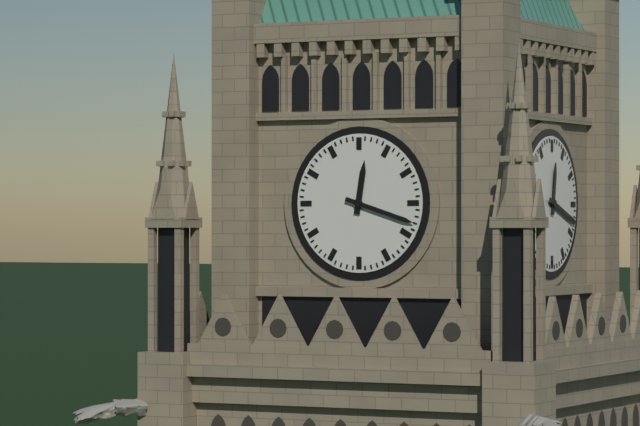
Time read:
12 h 18 min
